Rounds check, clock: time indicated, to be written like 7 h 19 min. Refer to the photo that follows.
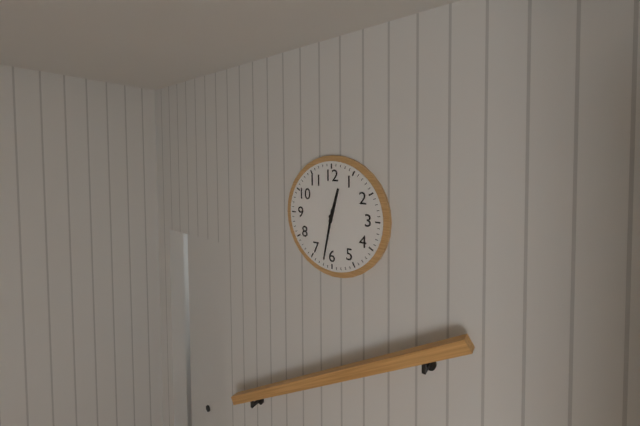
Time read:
12 h 32 min
